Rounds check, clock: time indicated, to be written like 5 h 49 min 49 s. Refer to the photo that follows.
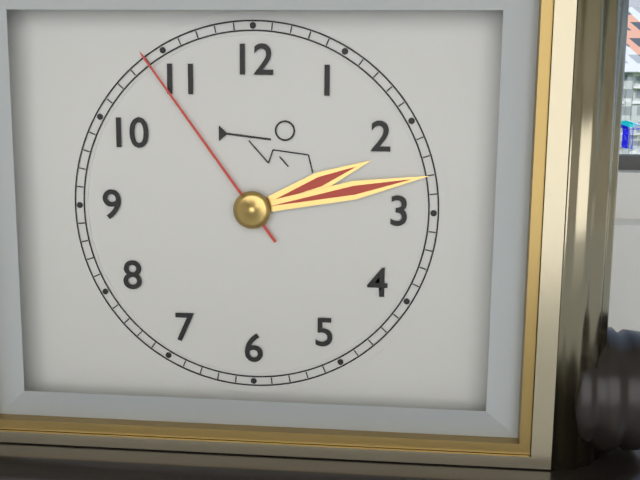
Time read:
2 h 13 min 54 s
